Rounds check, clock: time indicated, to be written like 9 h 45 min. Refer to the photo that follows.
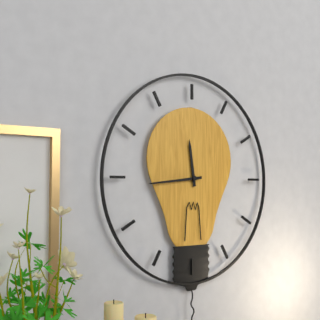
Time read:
11 h 44 min
